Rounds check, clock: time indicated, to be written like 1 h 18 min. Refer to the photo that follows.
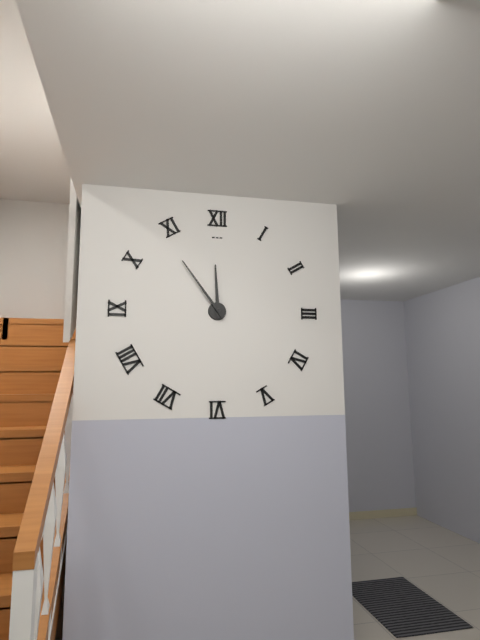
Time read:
11 h 54 min
